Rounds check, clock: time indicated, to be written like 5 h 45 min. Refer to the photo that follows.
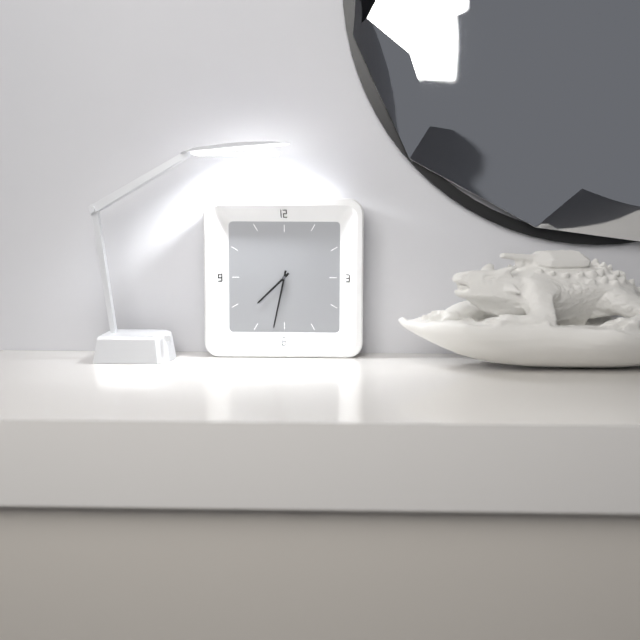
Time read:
7 h 32 min
